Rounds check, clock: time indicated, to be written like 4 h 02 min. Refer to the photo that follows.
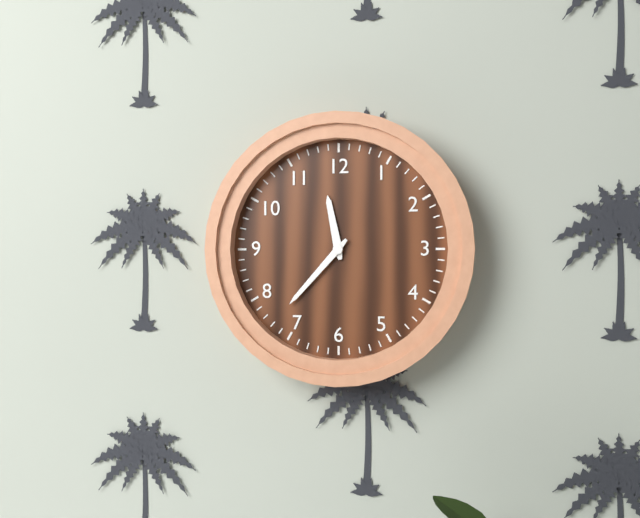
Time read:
11 h 37 min
